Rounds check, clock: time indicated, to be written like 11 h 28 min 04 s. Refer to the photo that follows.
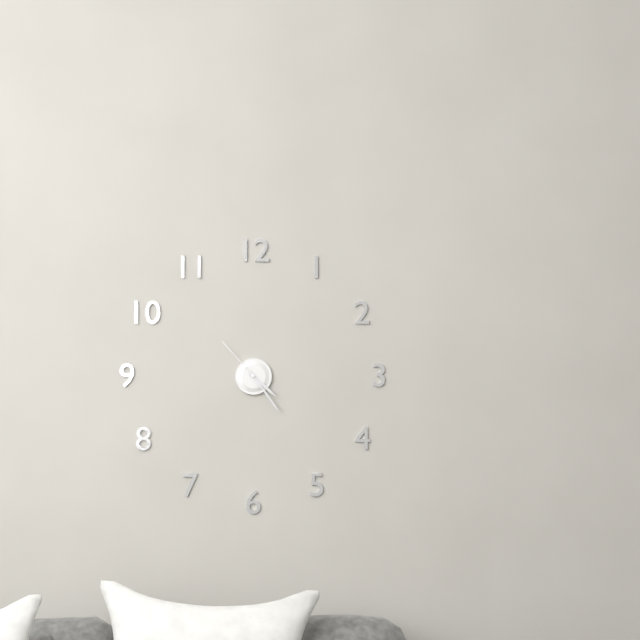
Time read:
4 h 24 min 53 s
